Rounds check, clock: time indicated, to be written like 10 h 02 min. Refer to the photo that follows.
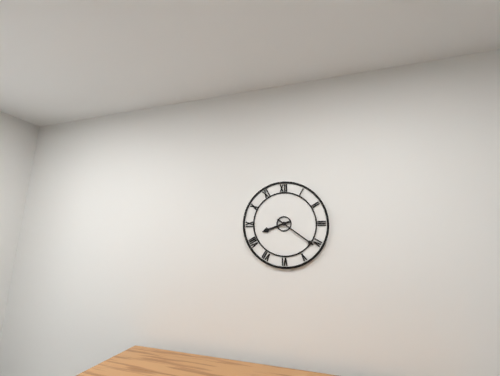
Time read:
8 h 21 min
